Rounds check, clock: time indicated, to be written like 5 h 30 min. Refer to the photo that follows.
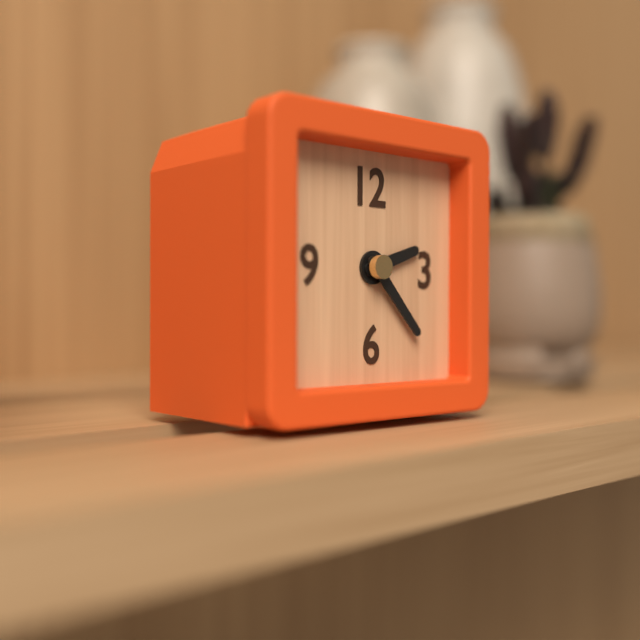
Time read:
2 h 23 min
